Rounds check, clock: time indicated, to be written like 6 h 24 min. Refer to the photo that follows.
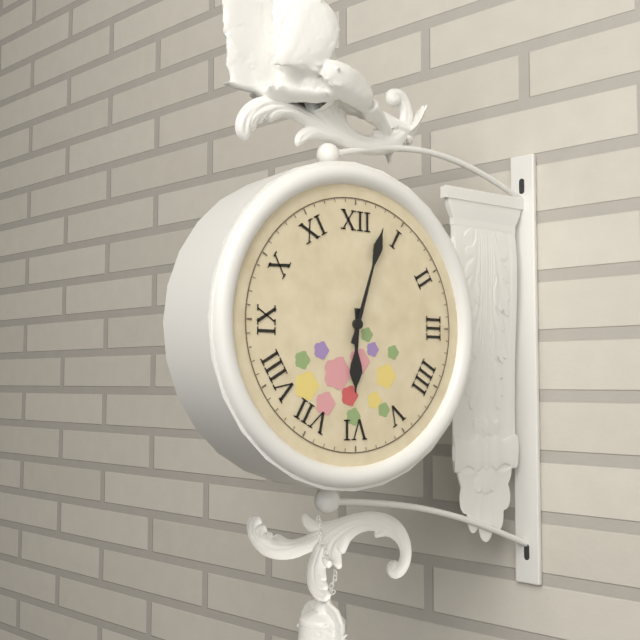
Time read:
6 h 03 min
